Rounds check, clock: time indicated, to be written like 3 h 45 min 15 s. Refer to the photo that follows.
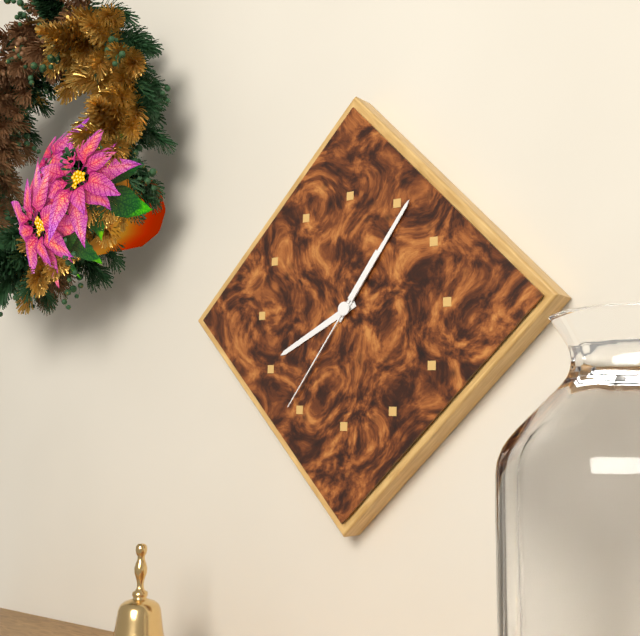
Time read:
8 h 06 min 36 s
